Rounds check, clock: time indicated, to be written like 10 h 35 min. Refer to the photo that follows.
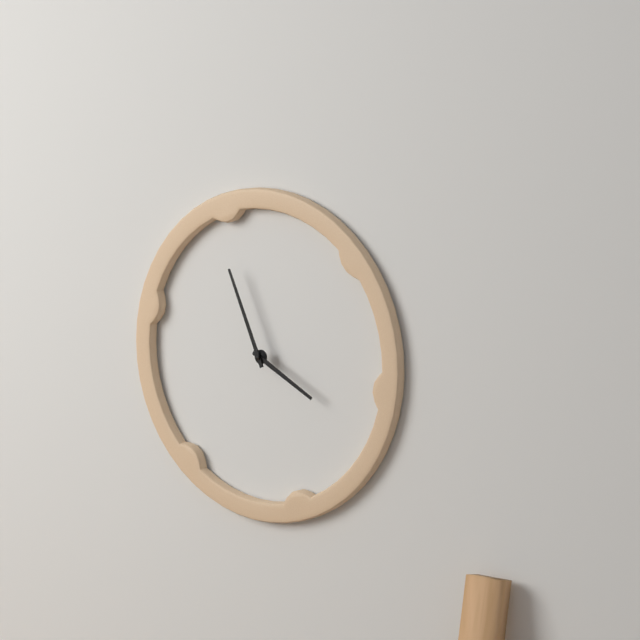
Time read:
3 h 56 min
